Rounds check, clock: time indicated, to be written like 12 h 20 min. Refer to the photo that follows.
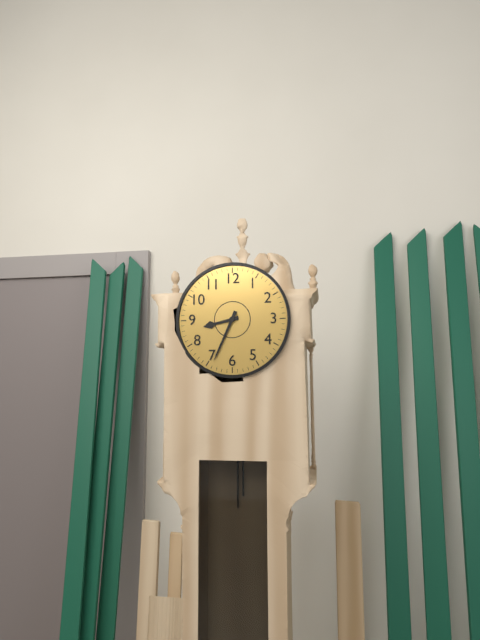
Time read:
8 h 34 min
